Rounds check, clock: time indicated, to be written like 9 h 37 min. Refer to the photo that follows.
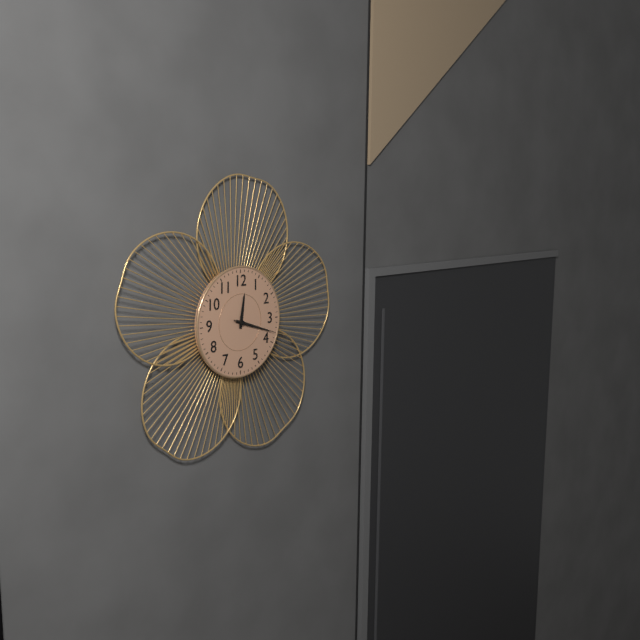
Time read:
12 h 18 min
